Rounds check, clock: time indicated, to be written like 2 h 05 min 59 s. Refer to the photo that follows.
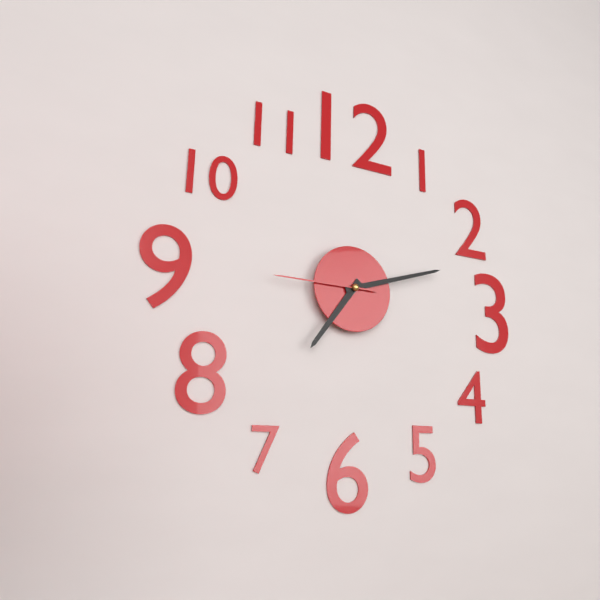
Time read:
7 h 12 min 45 s
